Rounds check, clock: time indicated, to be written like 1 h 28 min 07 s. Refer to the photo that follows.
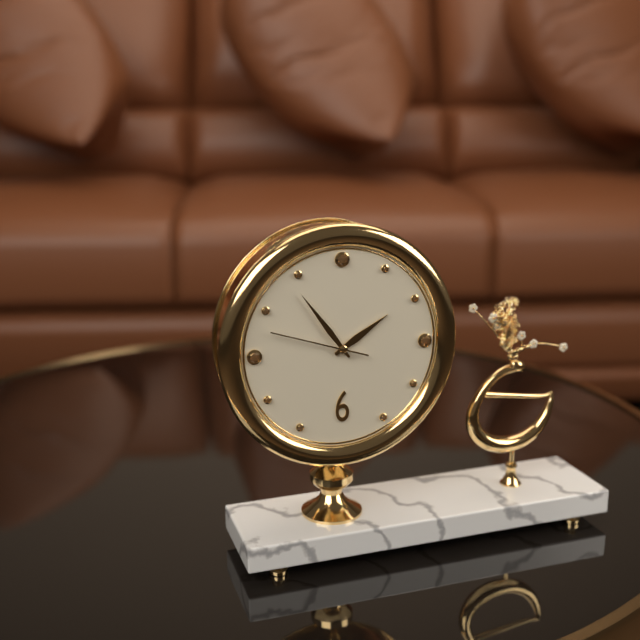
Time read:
1 h 54 min 48 s
